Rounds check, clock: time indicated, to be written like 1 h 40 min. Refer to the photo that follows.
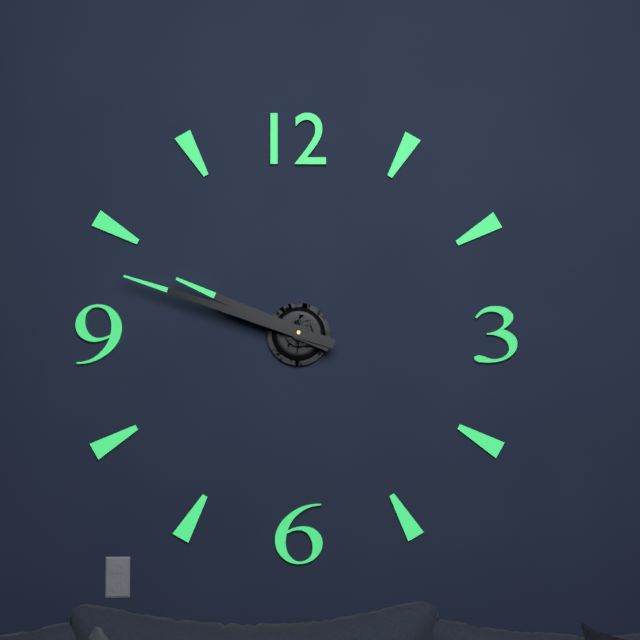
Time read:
9 h 48 min
